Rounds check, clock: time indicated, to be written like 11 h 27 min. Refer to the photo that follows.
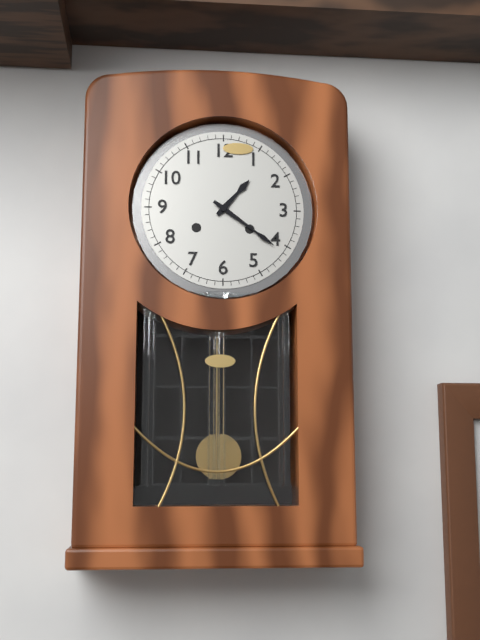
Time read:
1 h 21 min
